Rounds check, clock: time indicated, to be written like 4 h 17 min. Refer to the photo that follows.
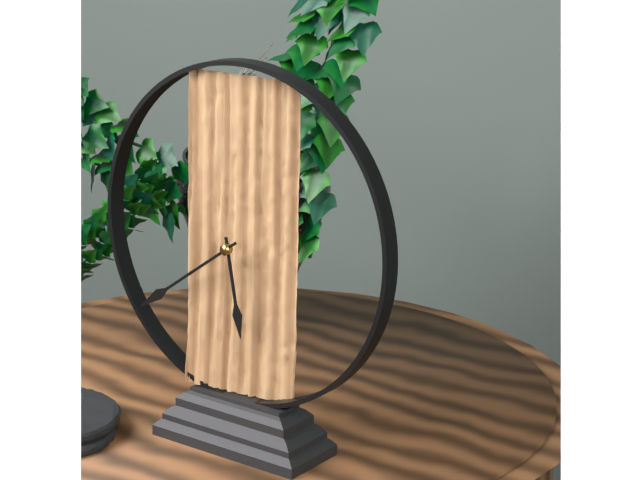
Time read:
5 h 39 min
